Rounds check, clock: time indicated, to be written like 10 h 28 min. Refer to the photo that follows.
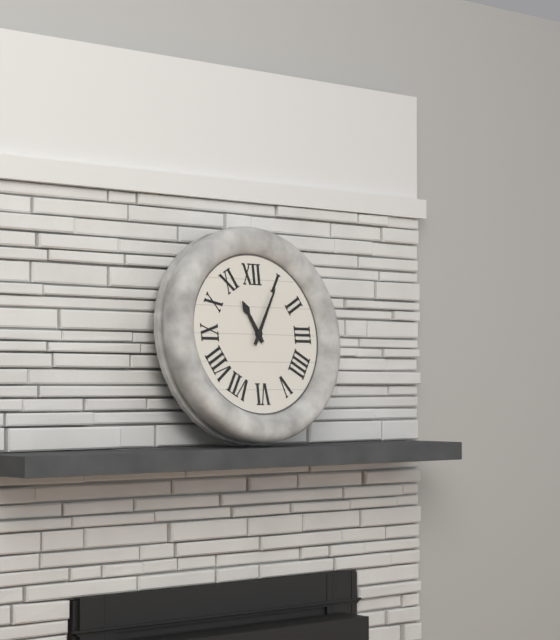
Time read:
11 h 05 min
